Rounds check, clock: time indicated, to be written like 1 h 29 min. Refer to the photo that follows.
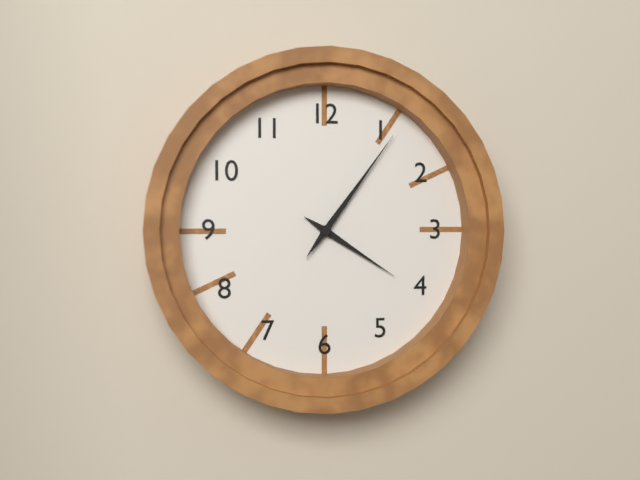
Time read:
4 h 06 min
